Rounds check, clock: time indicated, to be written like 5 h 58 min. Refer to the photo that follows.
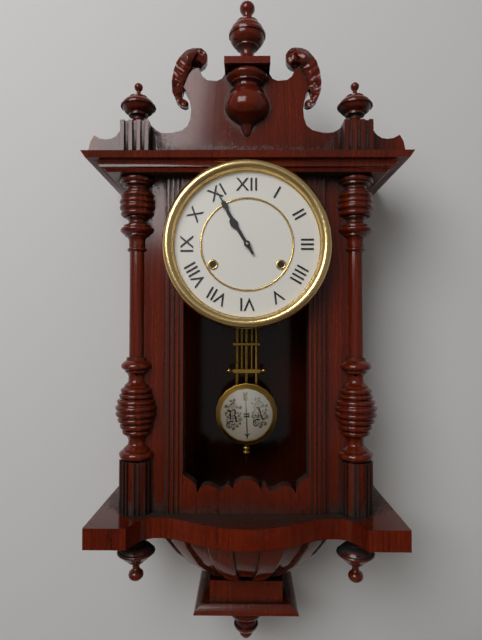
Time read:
10 h 55 min
